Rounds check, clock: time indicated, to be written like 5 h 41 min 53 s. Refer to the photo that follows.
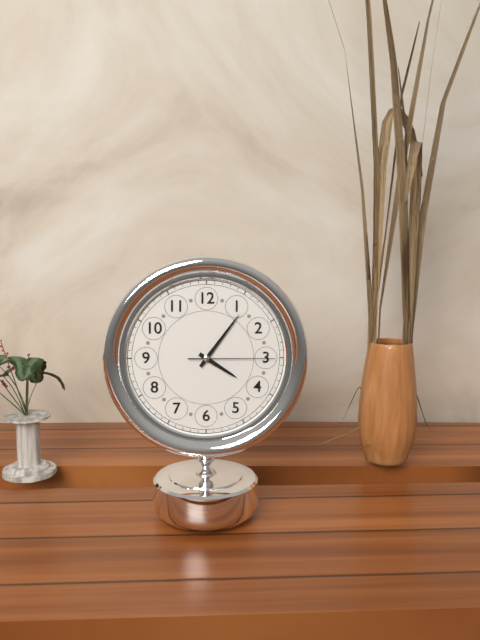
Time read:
4 h 06 min 15 s
